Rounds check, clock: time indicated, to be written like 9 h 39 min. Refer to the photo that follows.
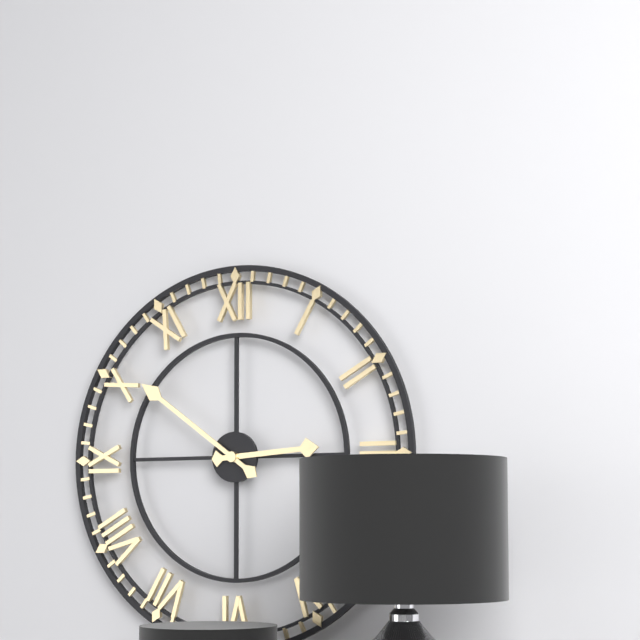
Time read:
2 h 51 min
